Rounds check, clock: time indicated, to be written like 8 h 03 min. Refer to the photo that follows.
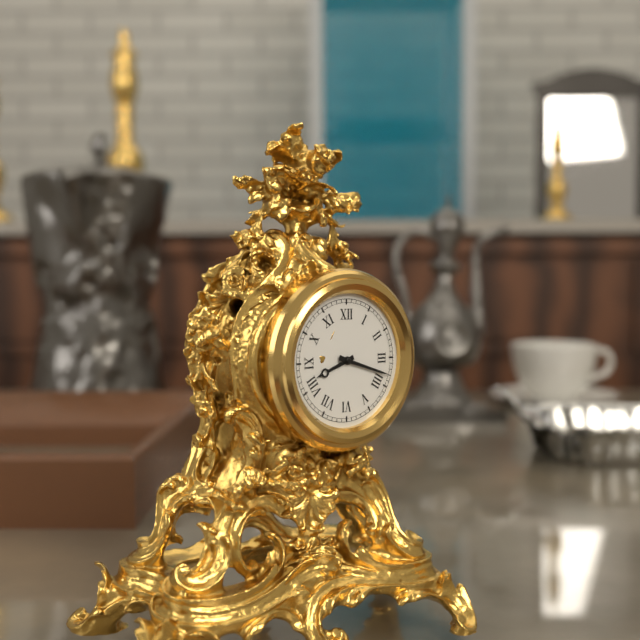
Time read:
8 h 18 min
